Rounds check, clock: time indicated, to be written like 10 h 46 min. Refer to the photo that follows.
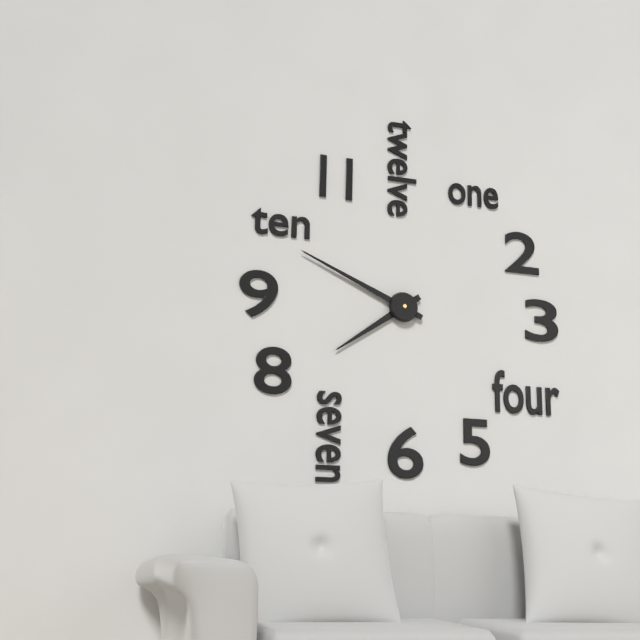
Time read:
7 h 49 min
